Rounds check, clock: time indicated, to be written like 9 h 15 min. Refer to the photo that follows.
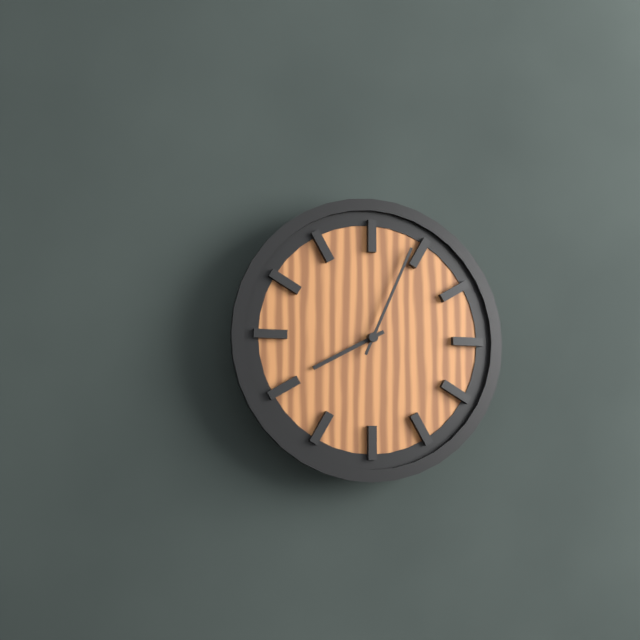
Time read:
8 h 04 min
